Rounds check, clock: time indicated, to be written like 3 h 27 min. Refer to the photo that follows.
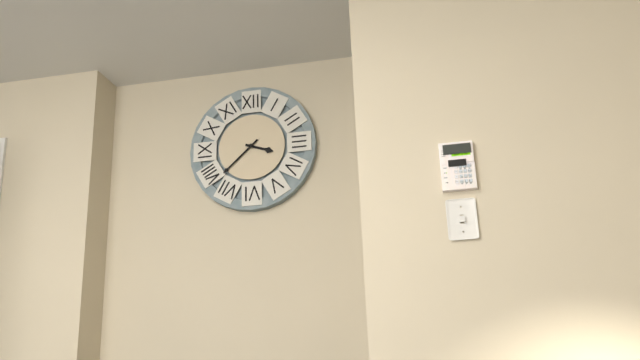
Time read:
3 h 38 min
